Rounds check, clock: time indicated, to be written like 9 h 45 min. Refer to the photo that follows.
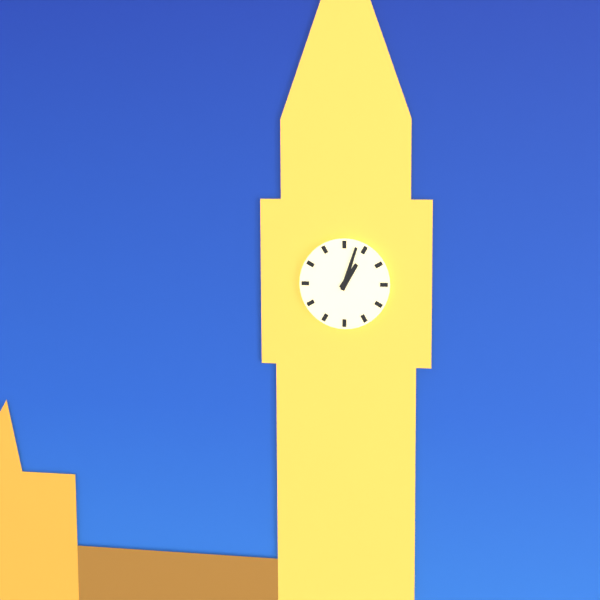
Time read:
1 h 03 min
